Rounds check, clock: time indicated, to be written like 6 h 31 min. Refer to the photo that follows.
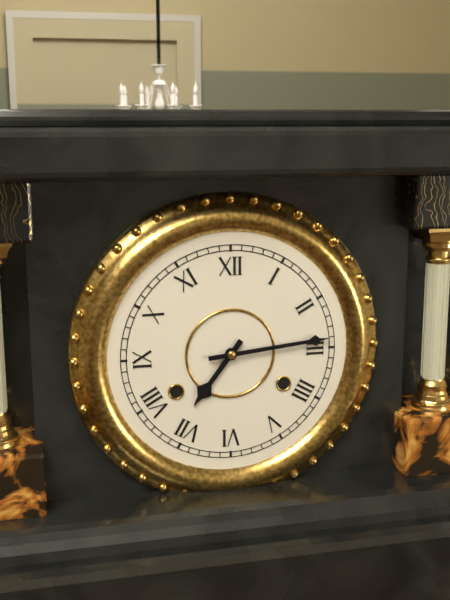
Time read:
7 h 14 min
